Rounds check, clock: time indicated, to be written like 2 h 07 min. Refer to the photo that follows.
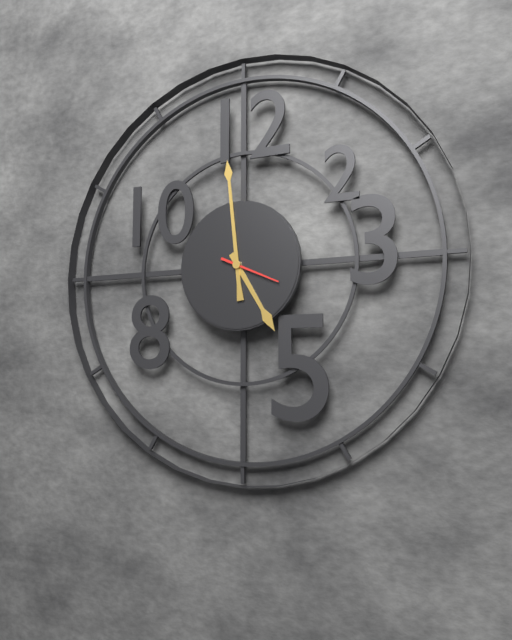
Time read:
4 h 59 min
